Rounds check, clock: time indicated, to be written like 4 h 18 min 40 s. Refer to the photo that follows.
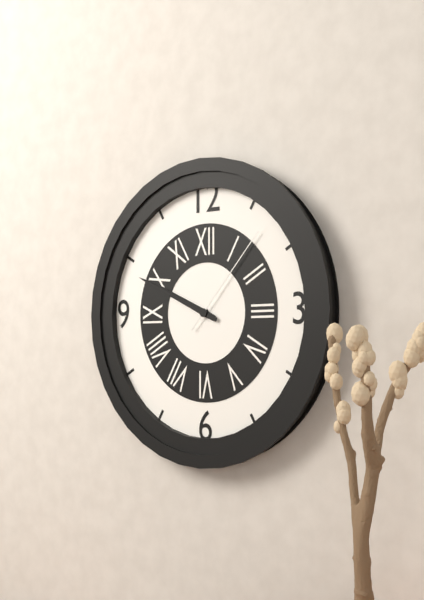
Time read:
9 h 49 min 07 s
